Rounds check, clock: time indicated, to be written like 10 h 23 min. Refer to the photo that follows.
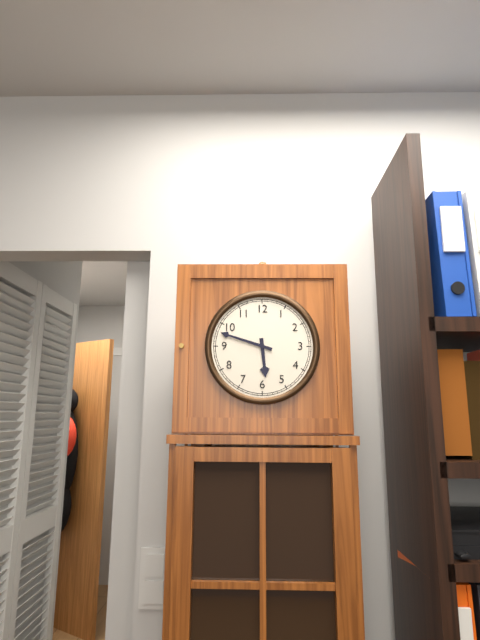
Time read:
5 h 48 min
